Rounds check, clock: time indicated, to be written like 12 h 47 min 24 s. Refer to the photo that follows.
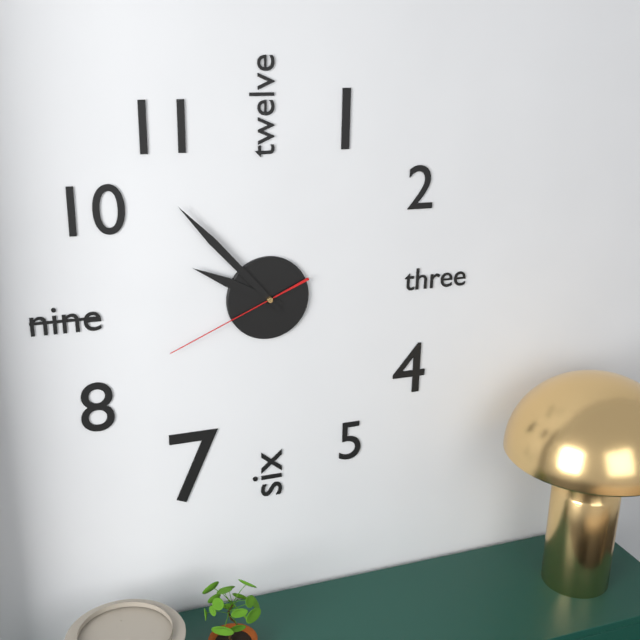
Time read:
9 h 53 min 41 s
